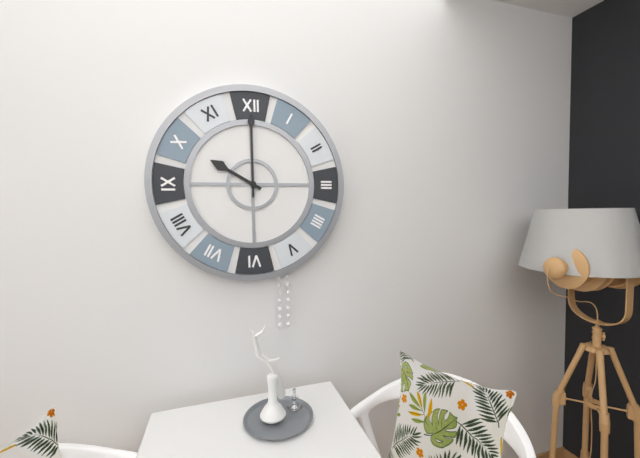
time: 10:00
